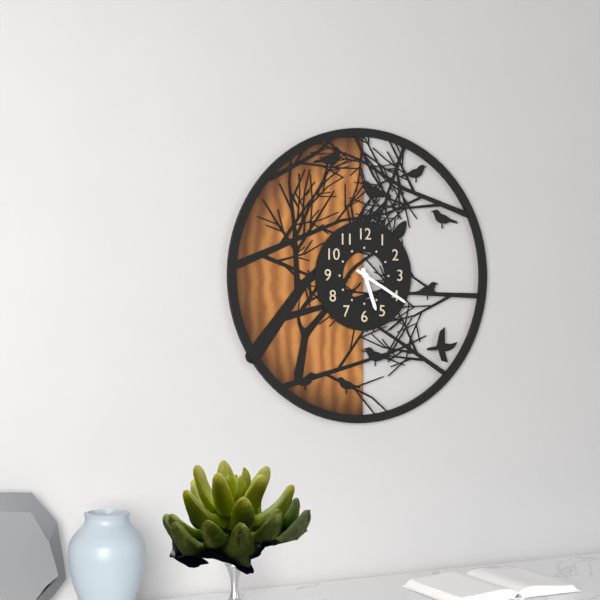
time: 5:20
